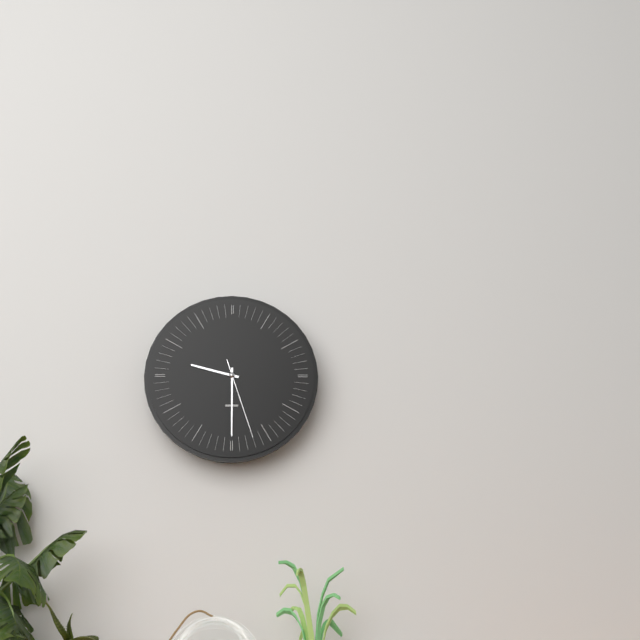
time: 9:30:27
